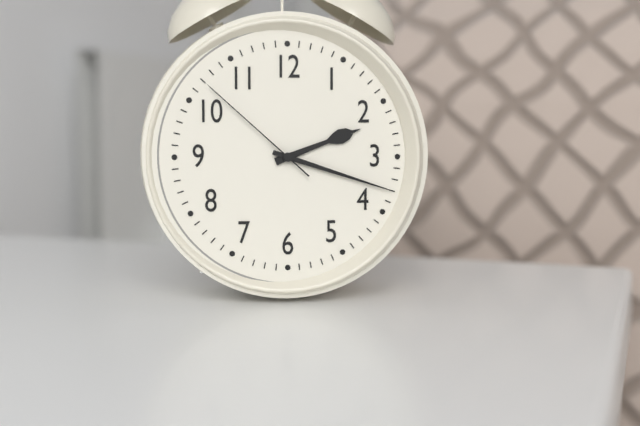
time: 2:18:52
